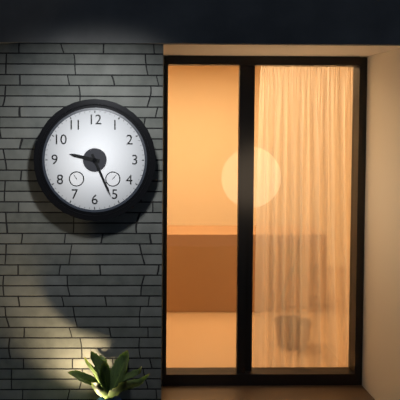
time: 9:26
